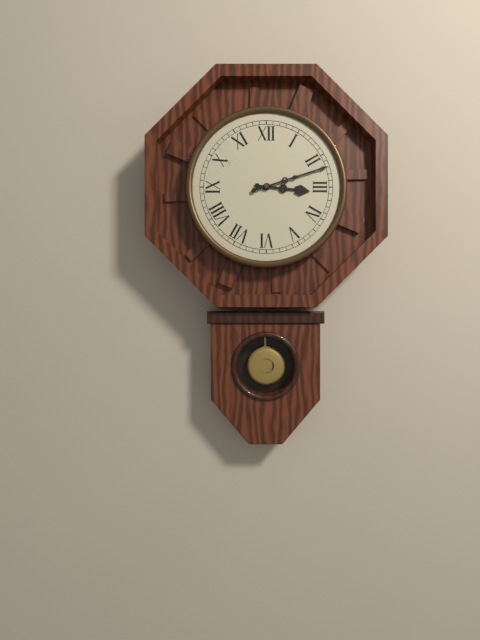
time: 3:12
